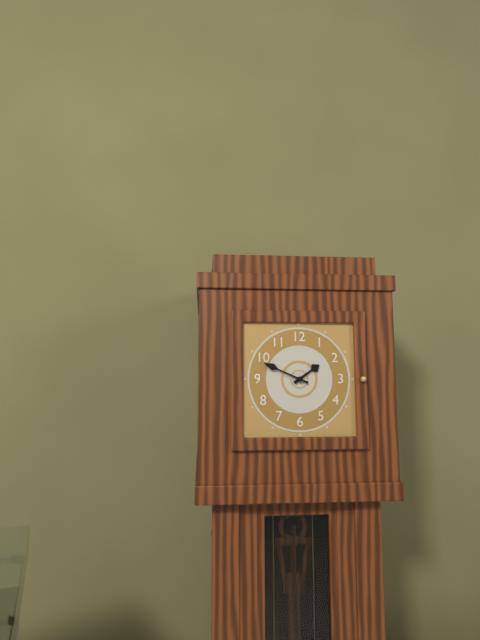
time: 1:49
